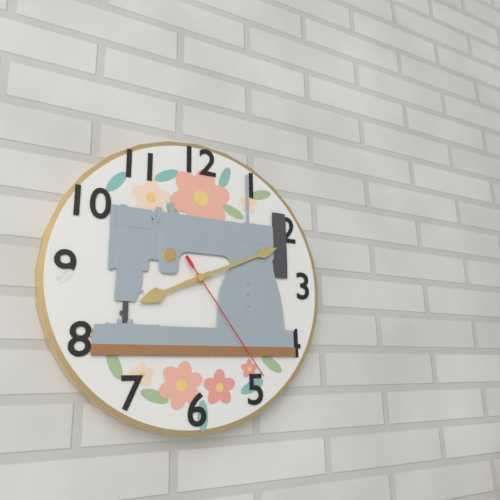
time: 8:11:24
